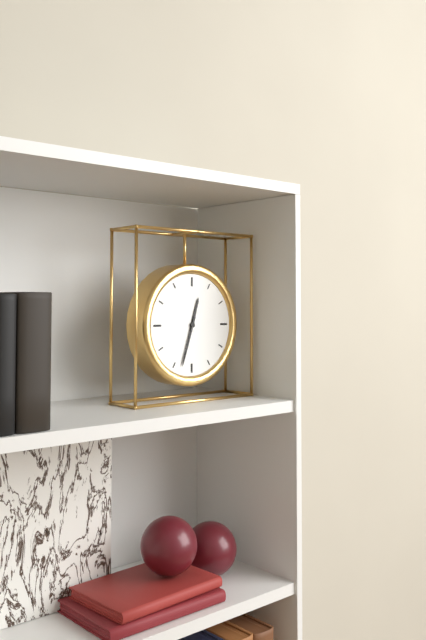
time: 12:33
